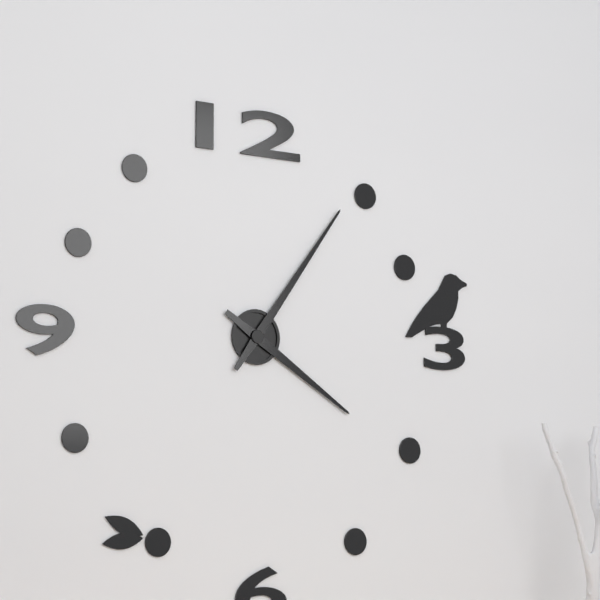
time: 4:06
